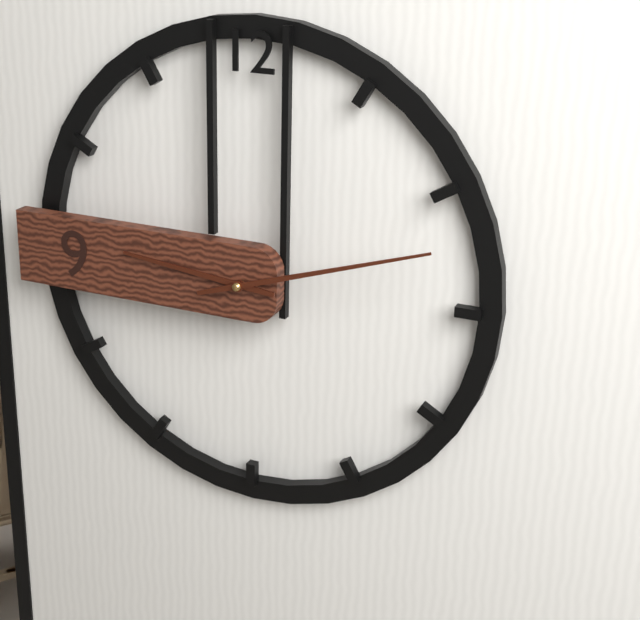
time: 9:12
